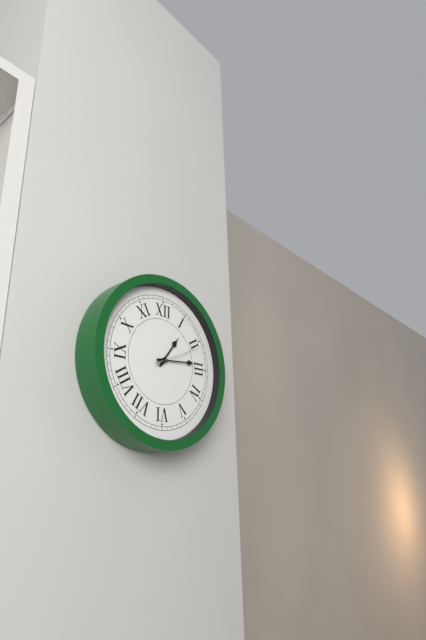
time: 1:14
